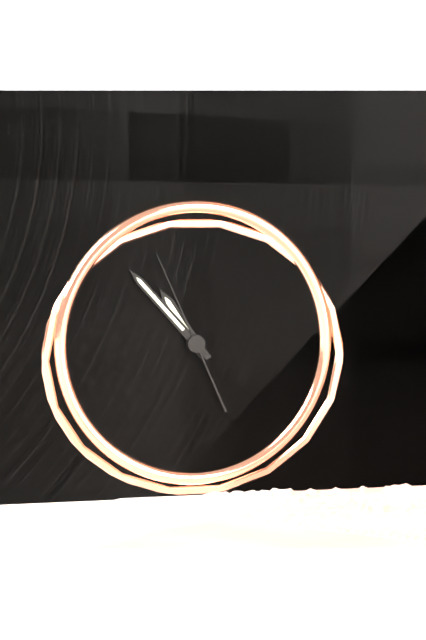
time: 10:53:56
